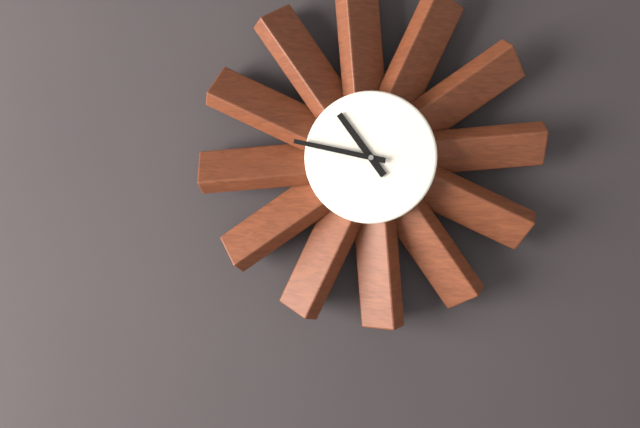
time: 10:47
